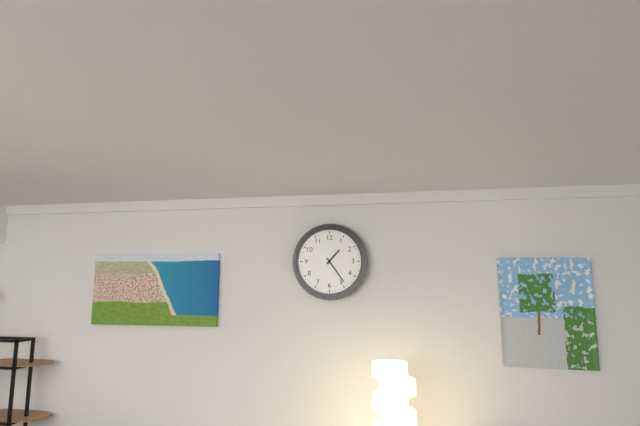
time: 1:24
